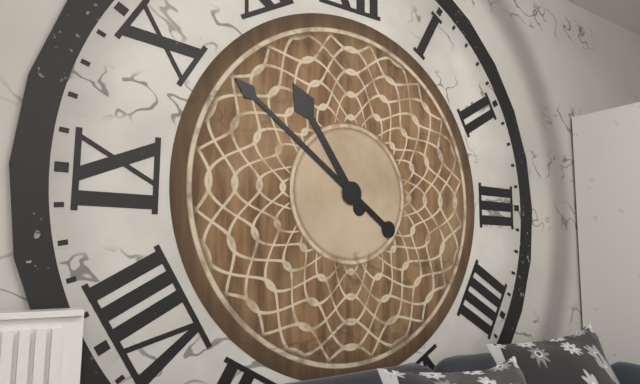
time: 10:51
